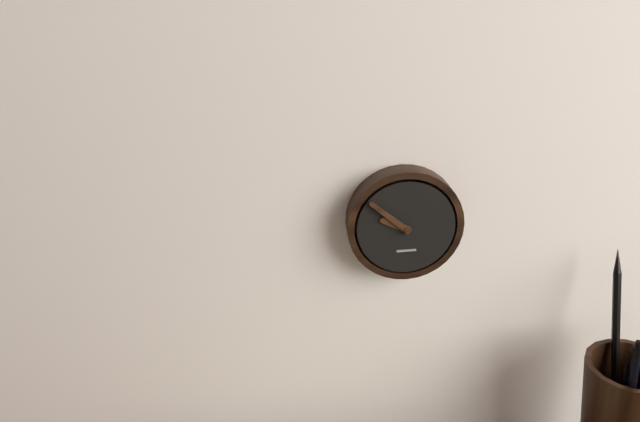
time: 9:52
